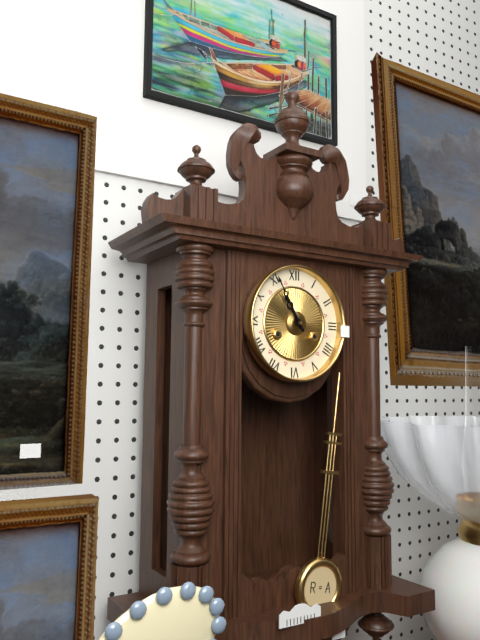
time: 10:55
